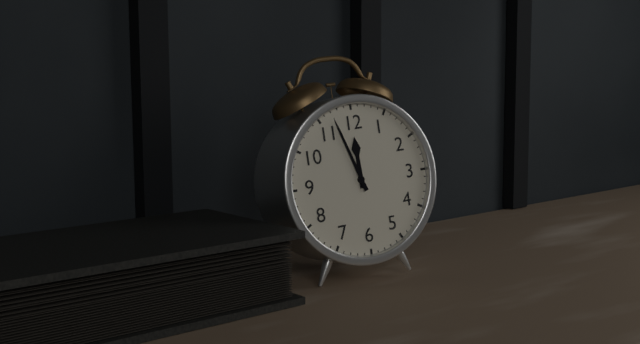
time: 11:57
